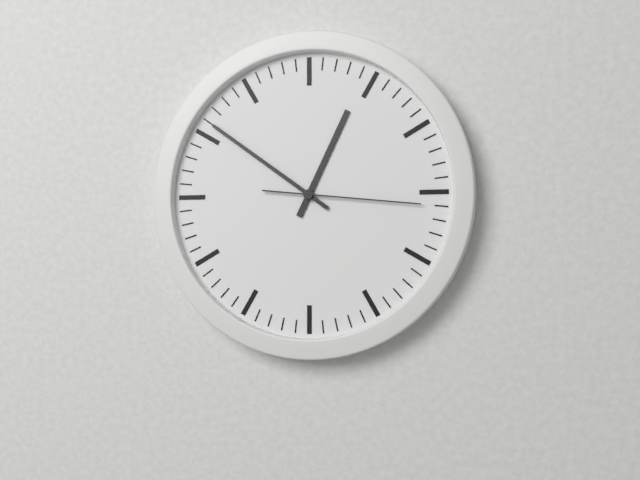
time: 12:51:16
